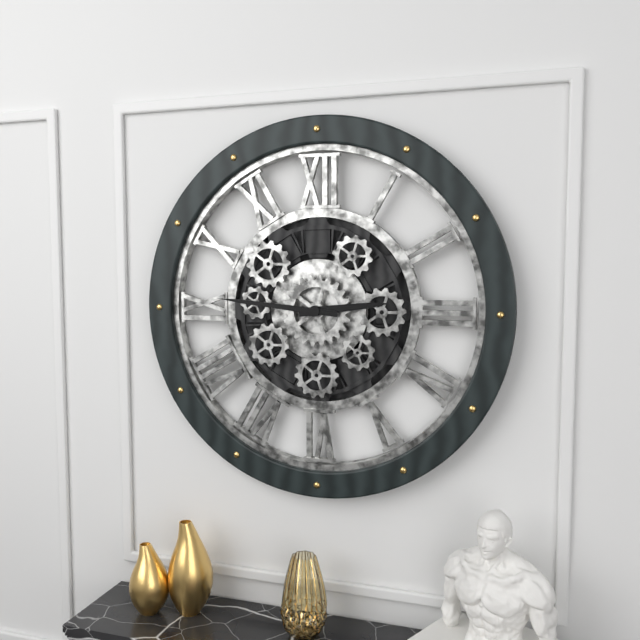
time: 2:46
